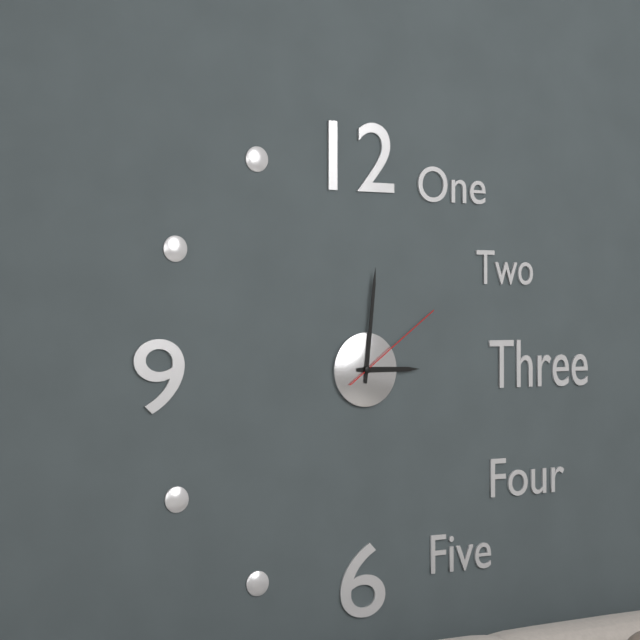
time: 3:01:09
